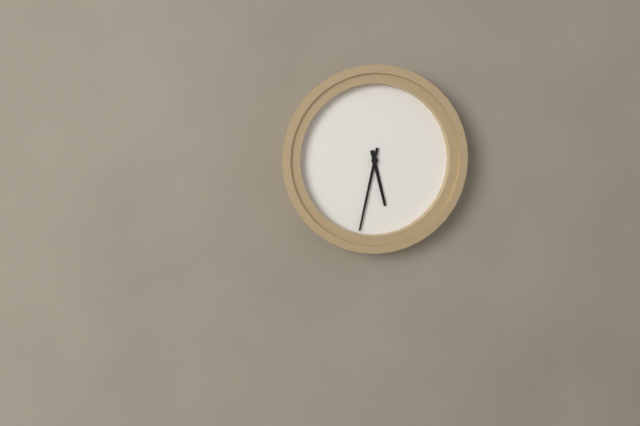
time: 5:32
